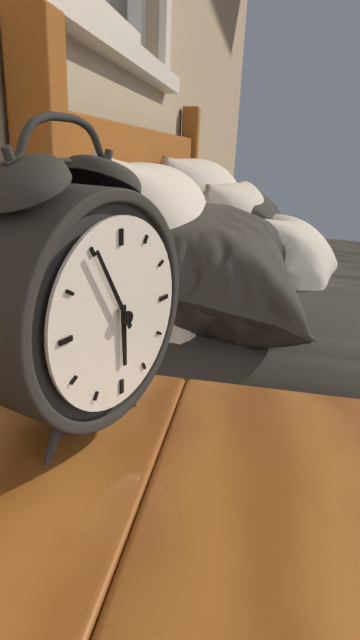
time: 5:55
